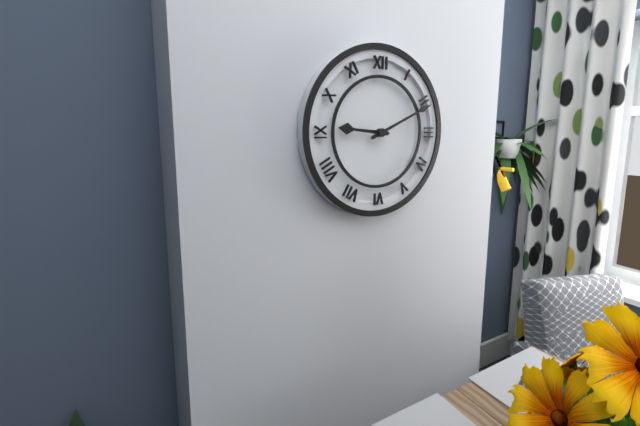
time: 9:11
